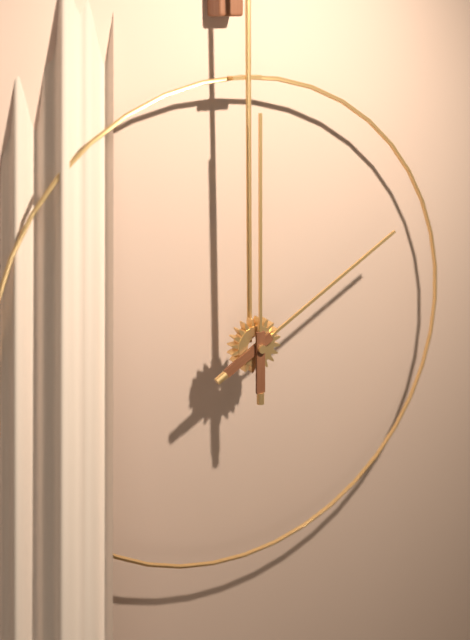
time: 2:00
